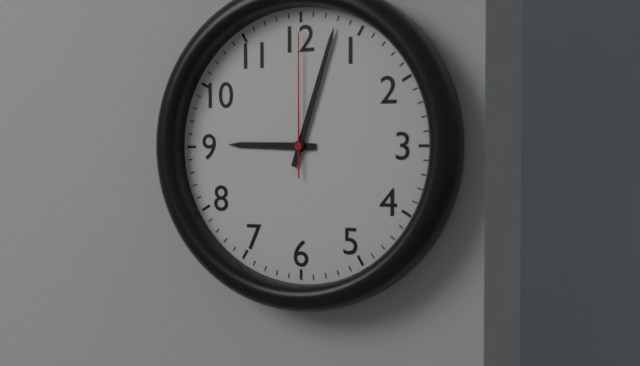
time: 9:03:00
